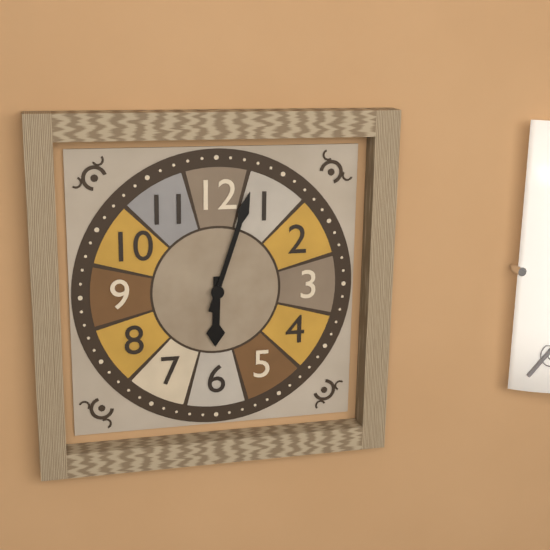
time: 6:03
